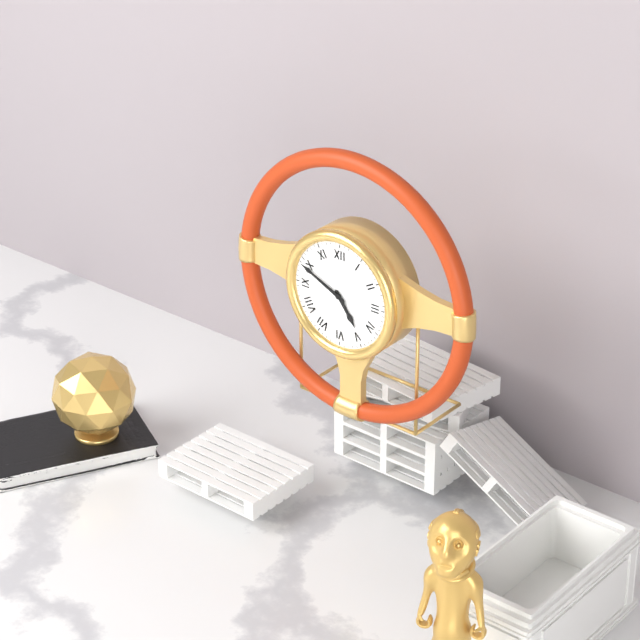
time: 4:49
